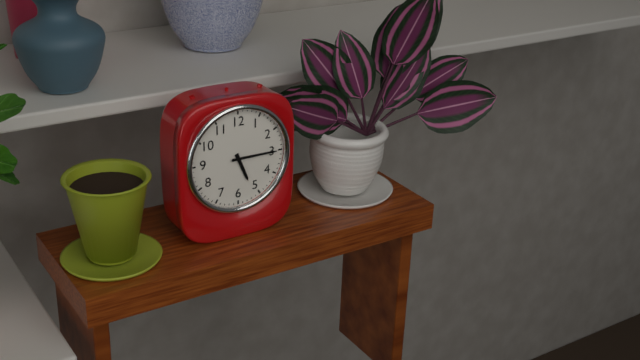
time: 5:15
